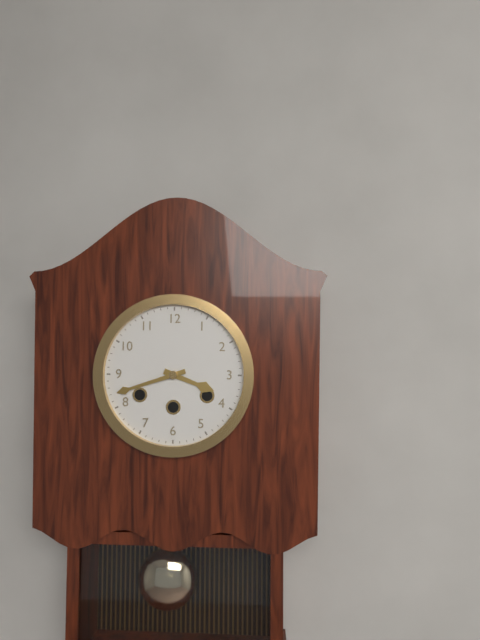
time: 3:42
